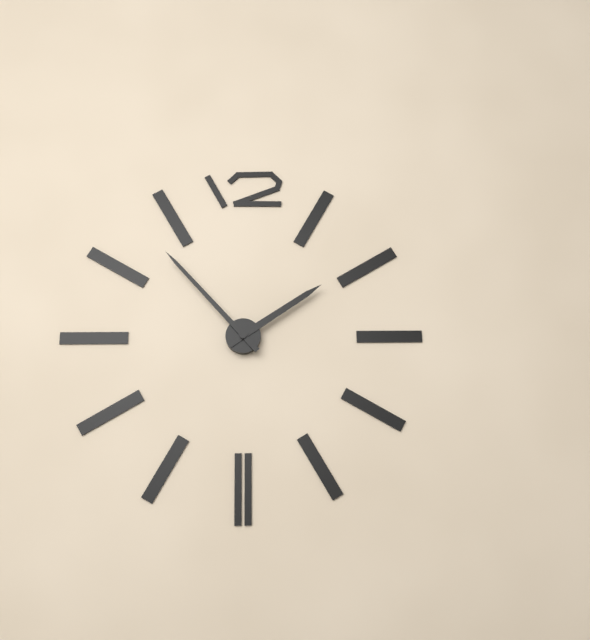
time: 1:53
